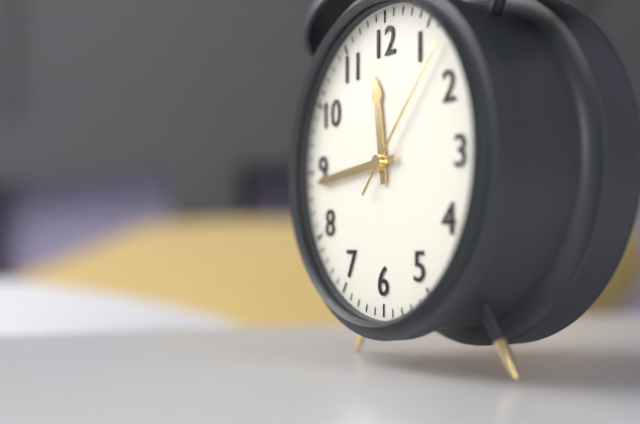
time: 11:44:07
